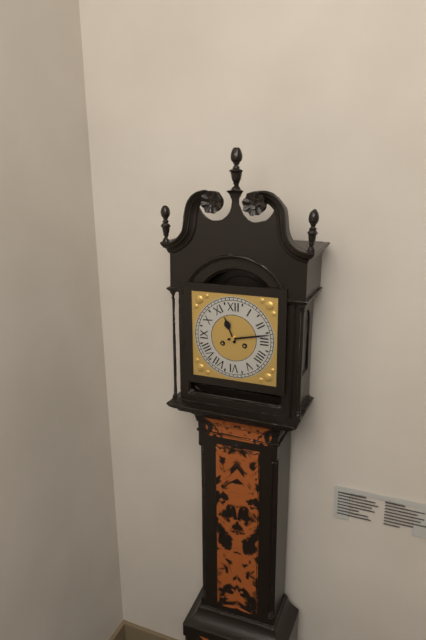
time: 11:13
